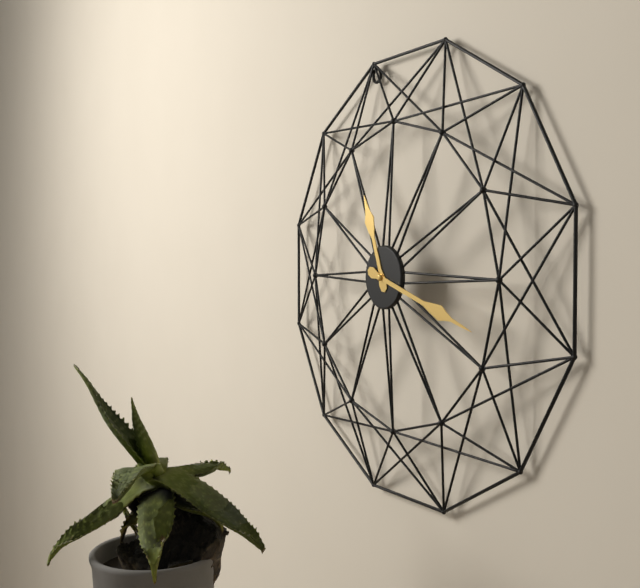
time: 11:18
